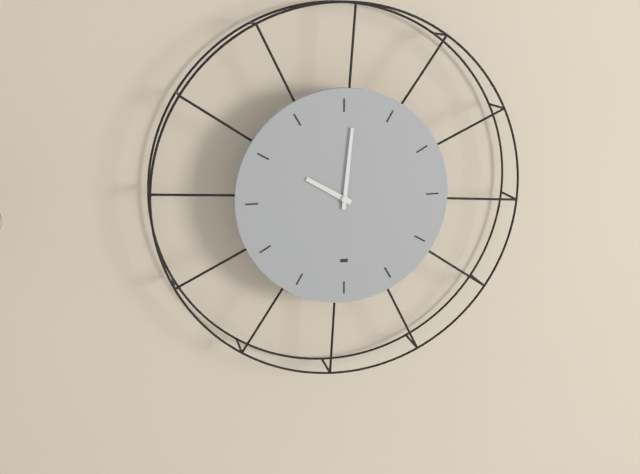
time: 10:01
